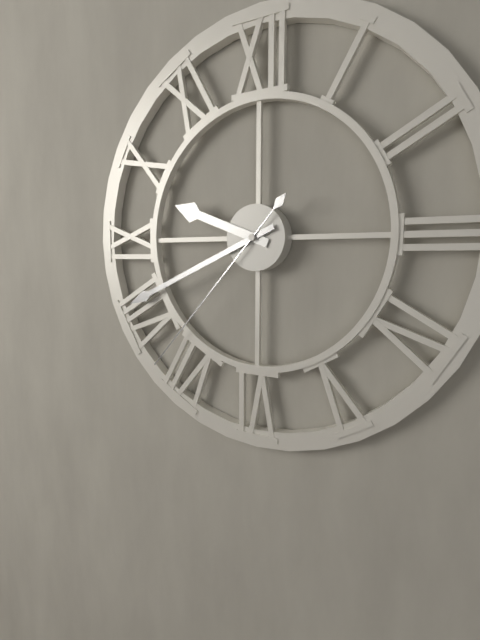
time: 9:41:37
